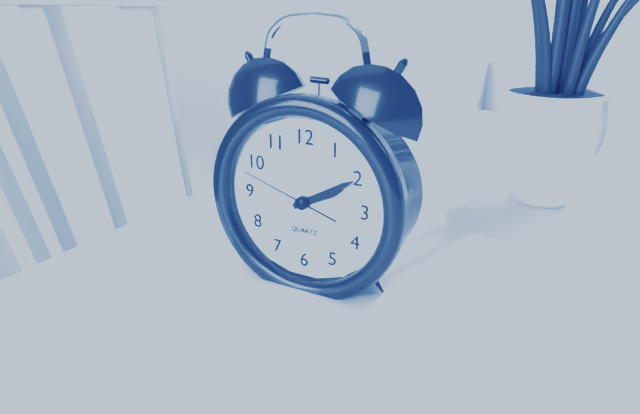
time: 2:10:48
